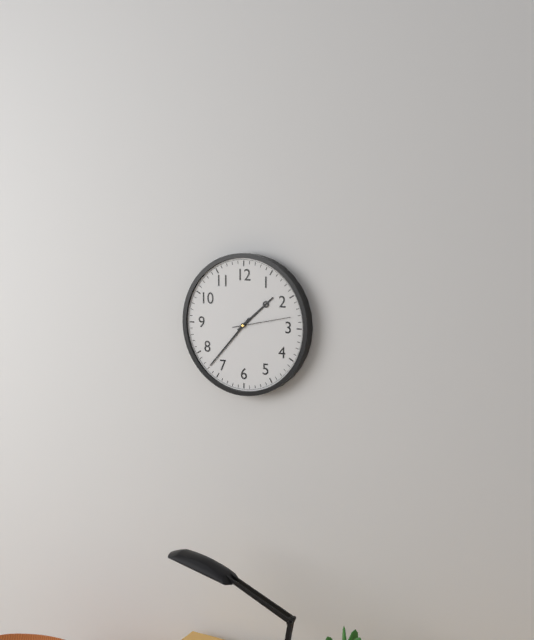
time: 1:37:13
